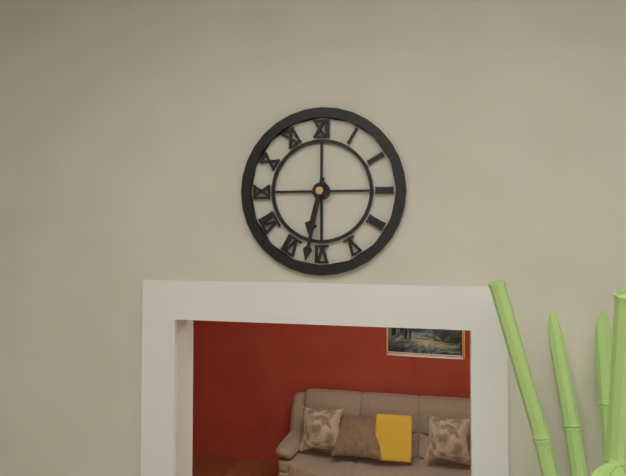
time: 6:32
